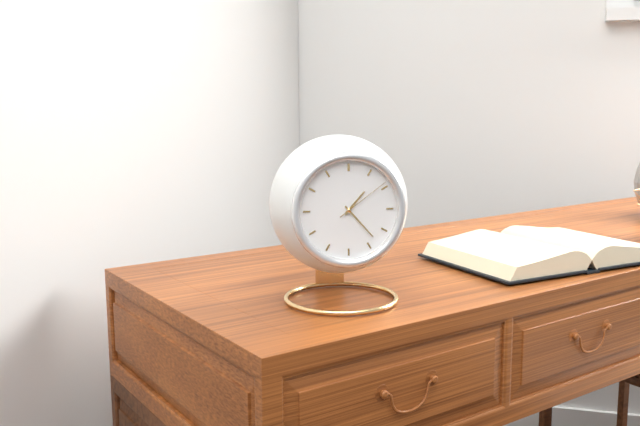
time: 1:23:09
